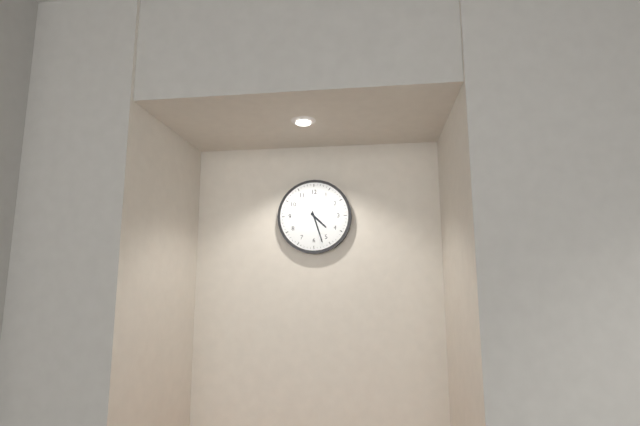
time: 4:27
